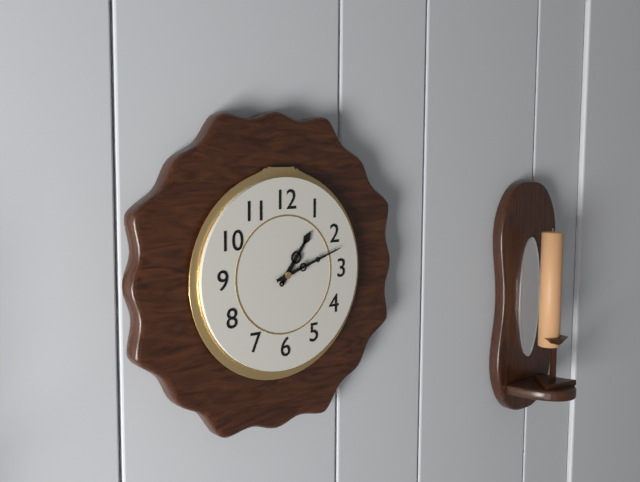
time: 1:12
